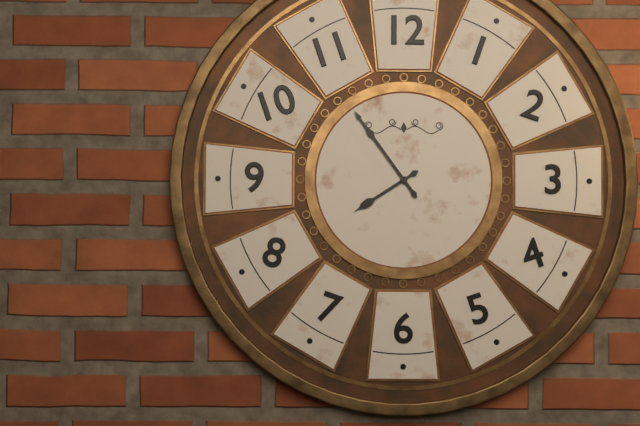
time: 7:54
